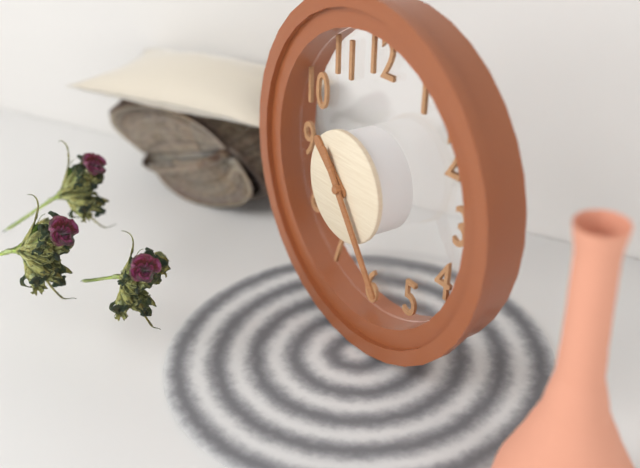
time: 10:24
